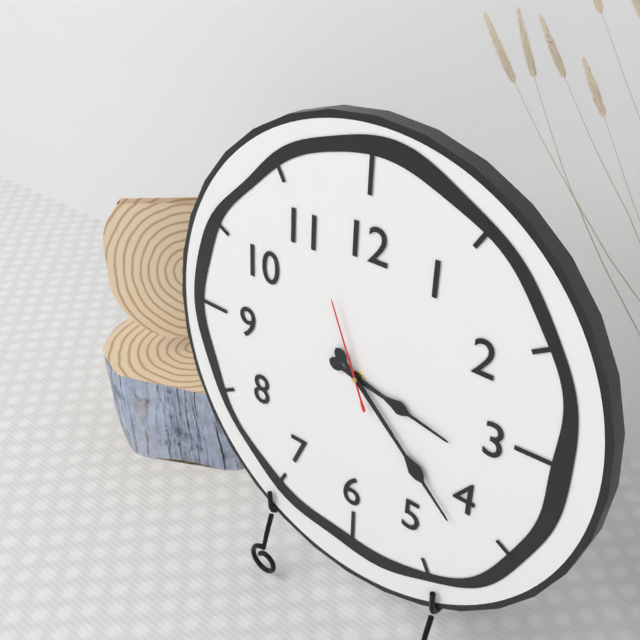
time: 3:22:56
